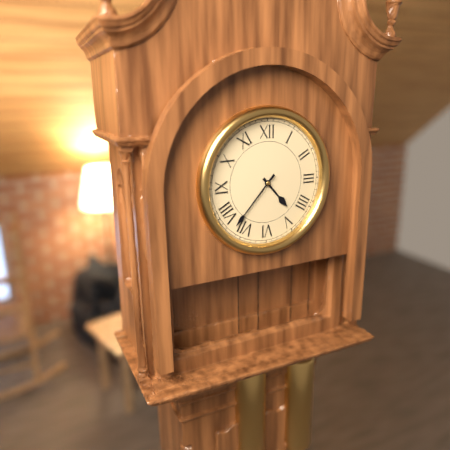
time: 4:37
